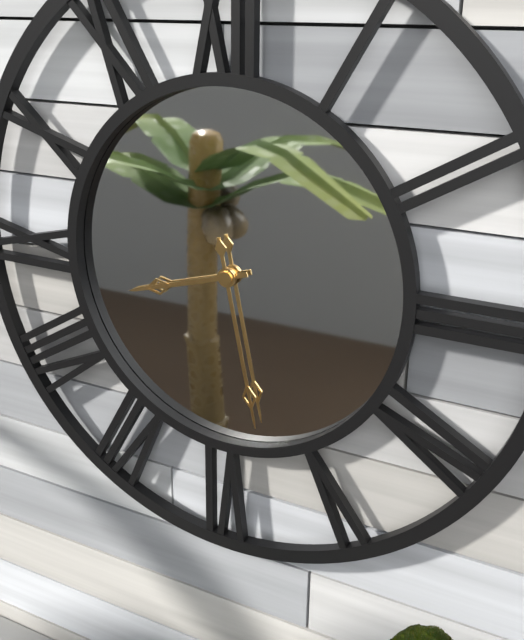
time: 8:28
